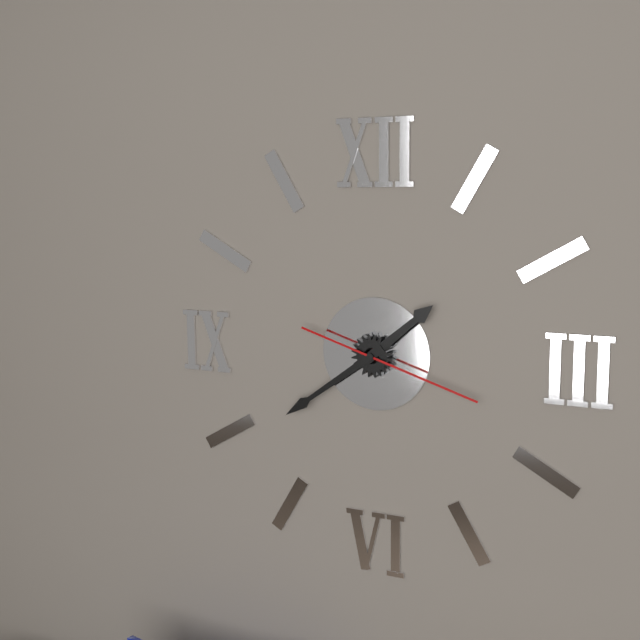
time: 1:39:18
